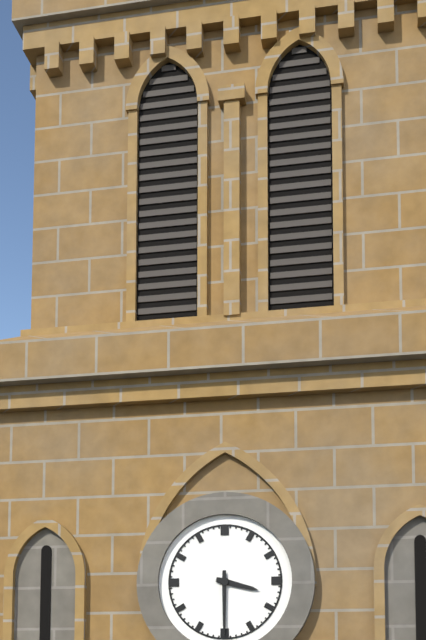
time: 3:30
